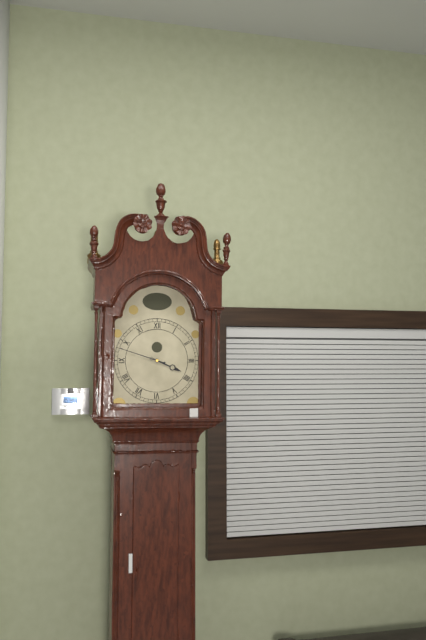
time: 3:48
